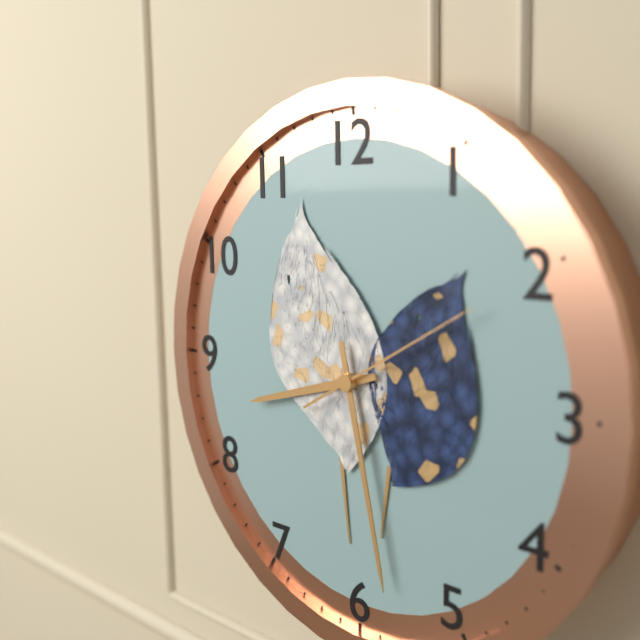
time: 8:28:10
